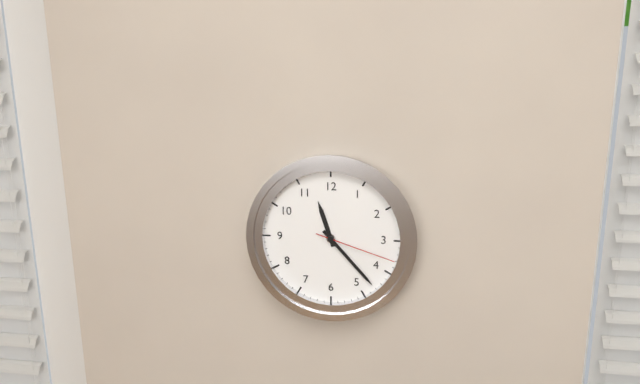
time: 11:23:18
